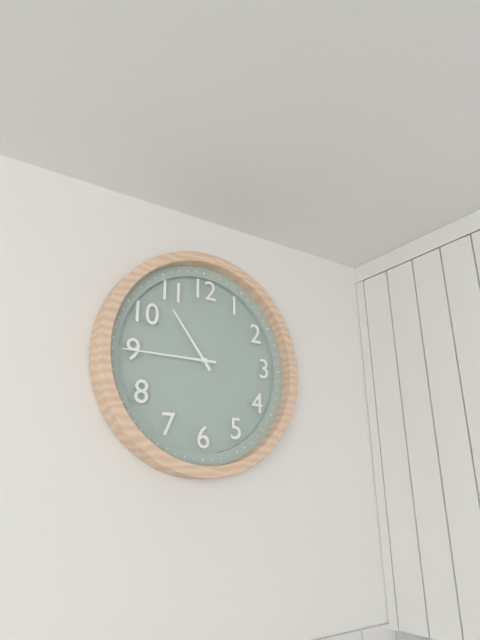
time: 10:45
